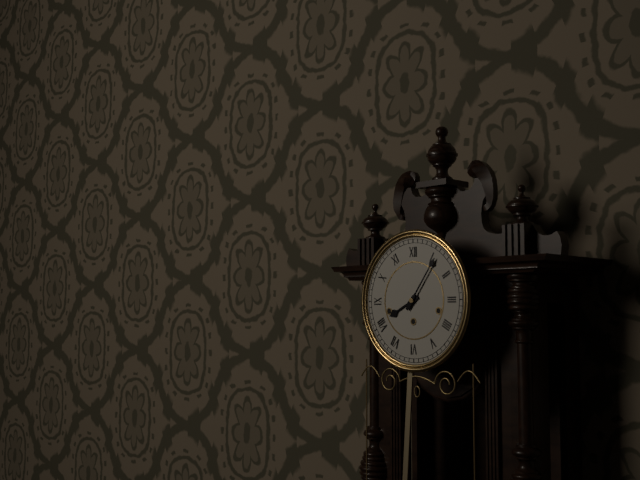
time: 8:06
